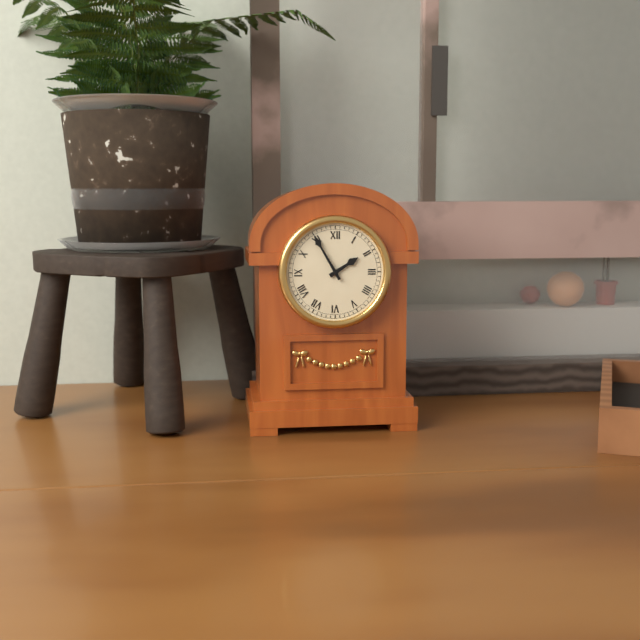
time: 1:55
